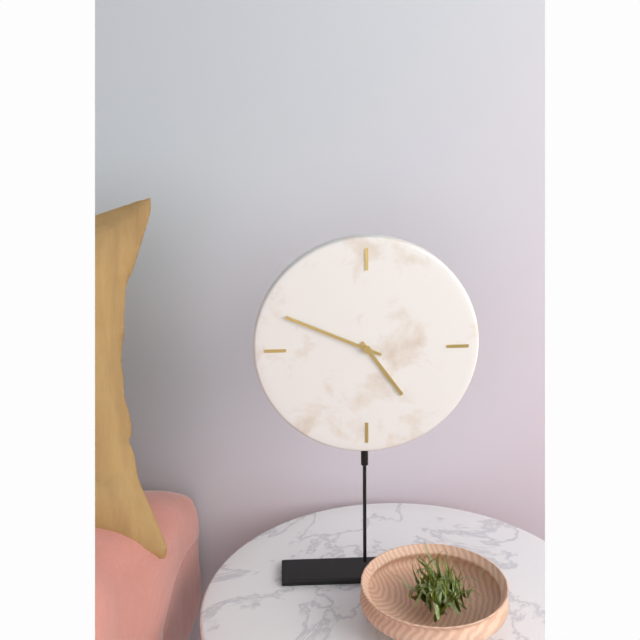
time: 4:49
